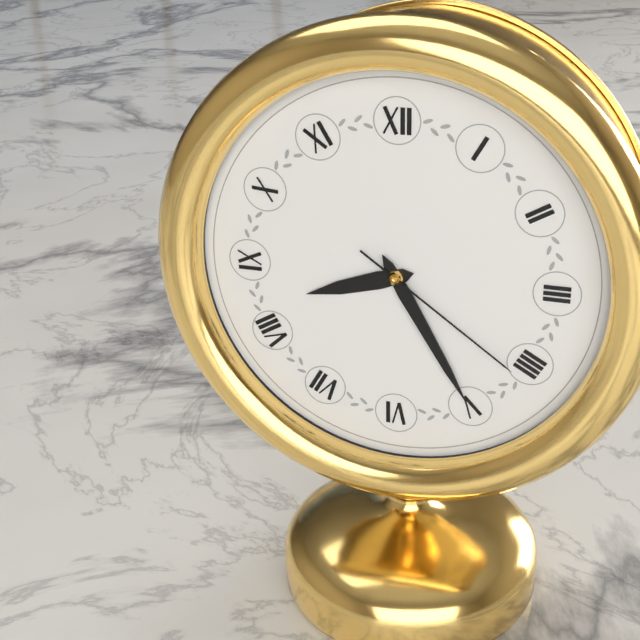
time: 8:25:21
